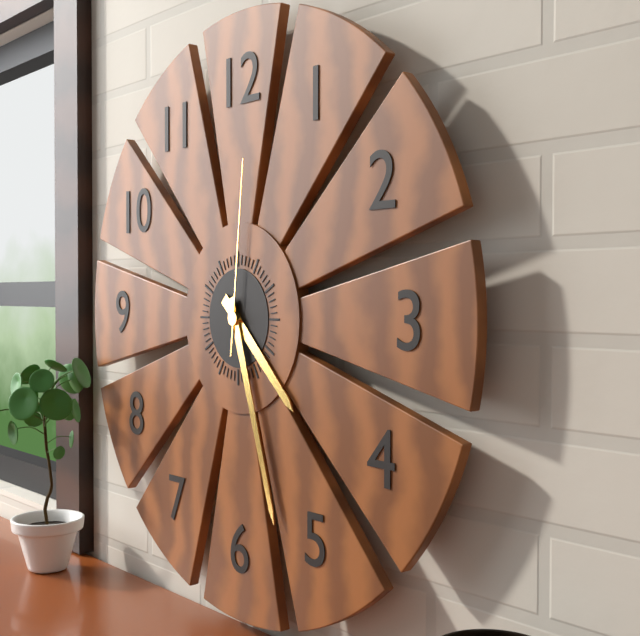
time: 4:27:01
